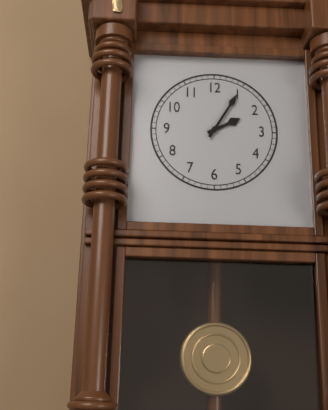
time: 2:05
